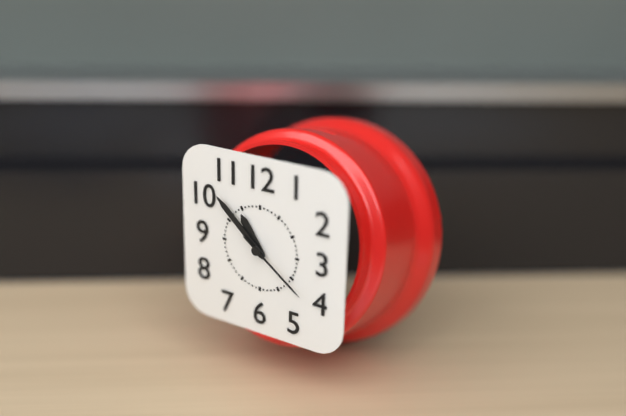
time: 10:52:21
